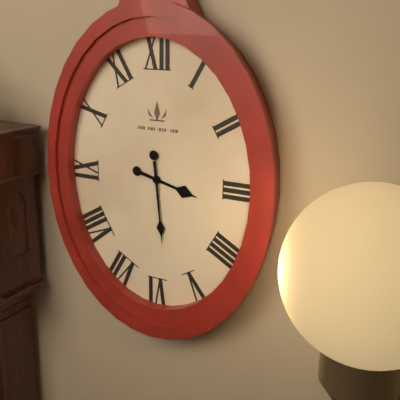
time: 3:29
